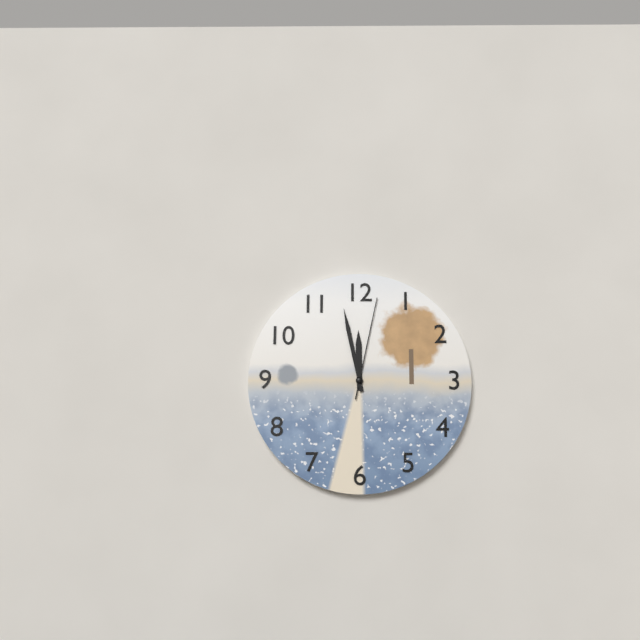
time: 11:58:02
